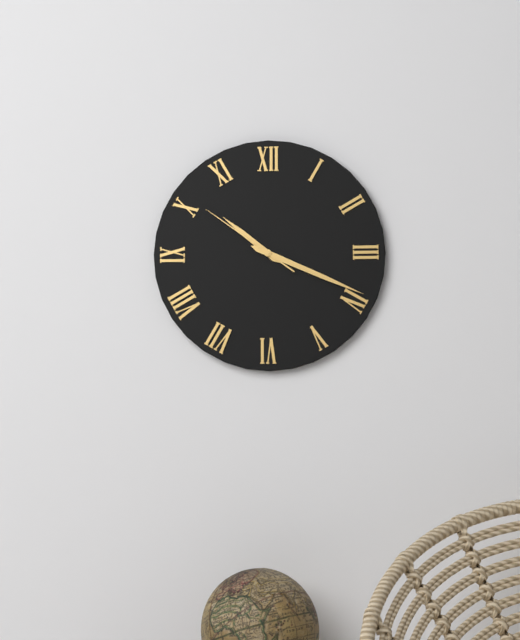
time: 10:19:51
